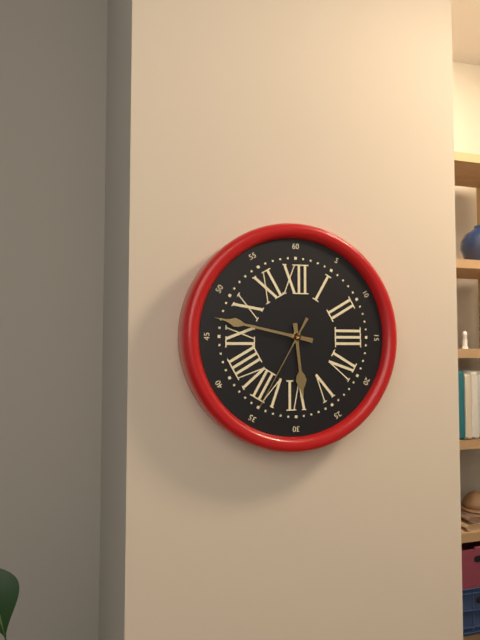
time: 5:47:35
